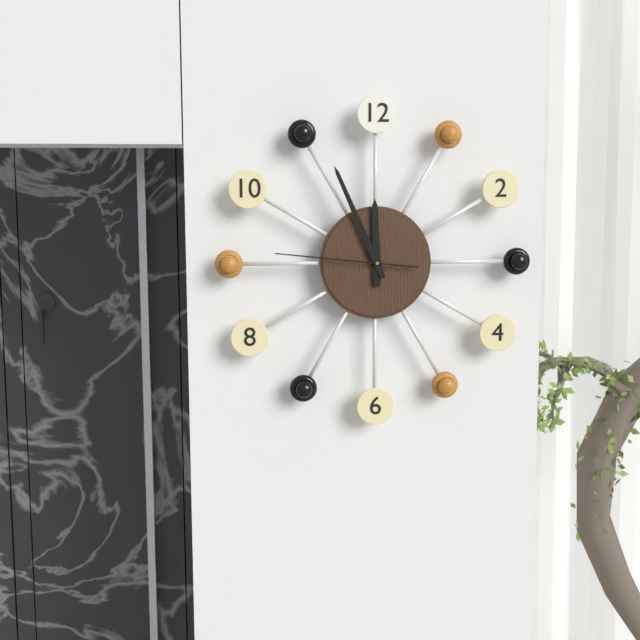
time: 11:56:46
